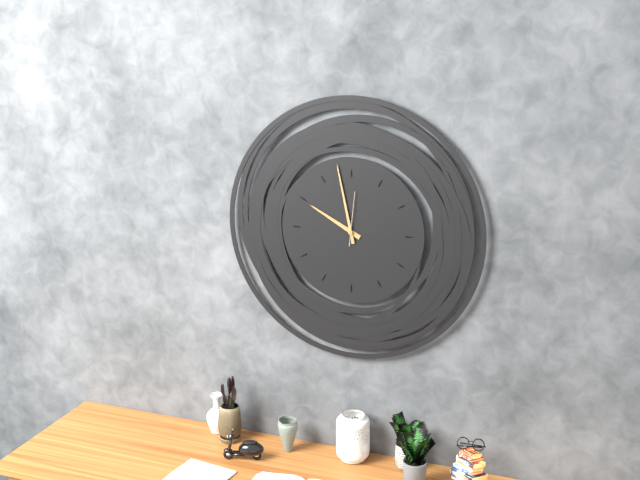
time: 9:58
